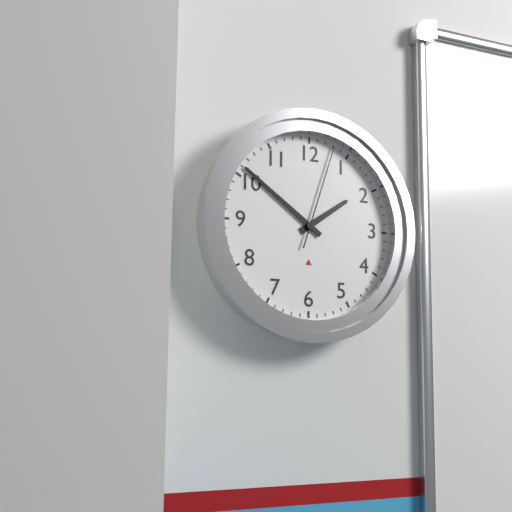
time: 1:51:03
